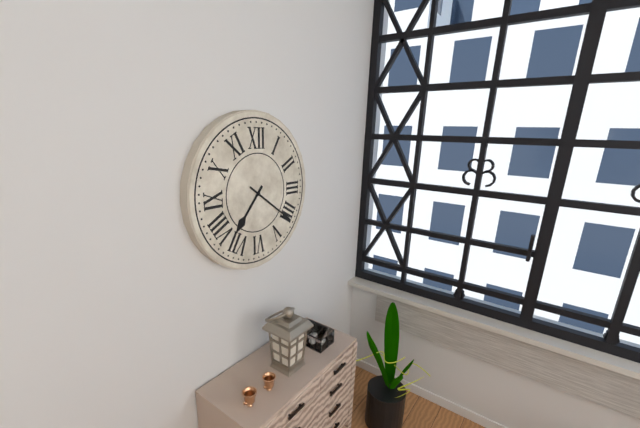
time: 7:21
